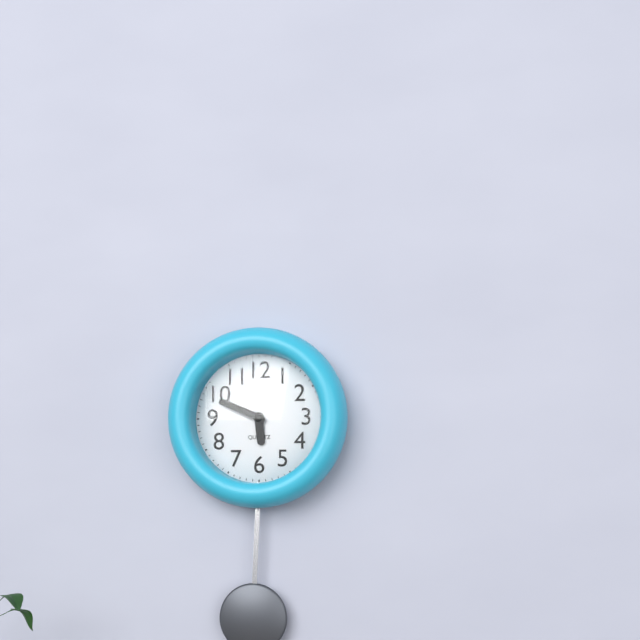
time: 5:49
